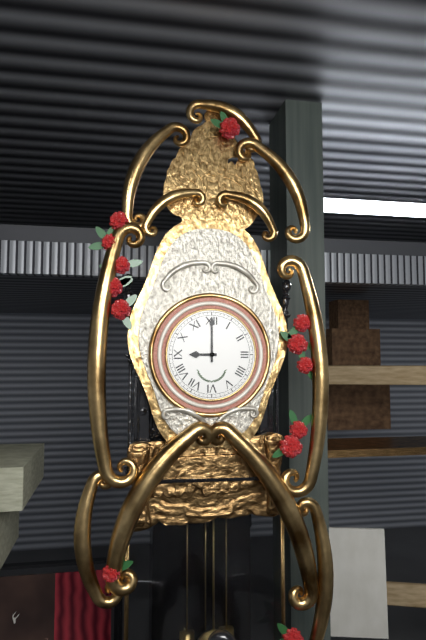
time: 9:00
